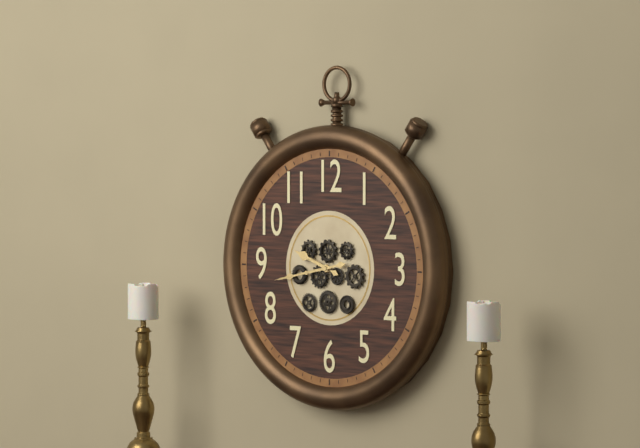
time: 9:43
